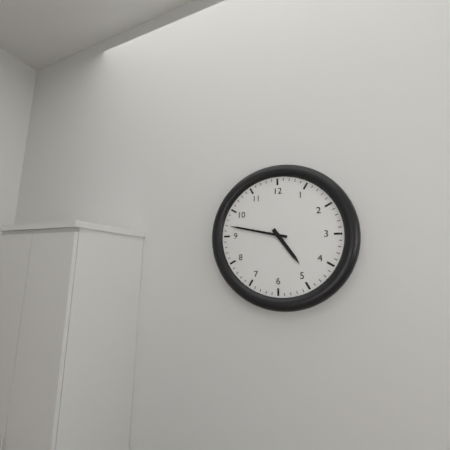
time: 4:47
